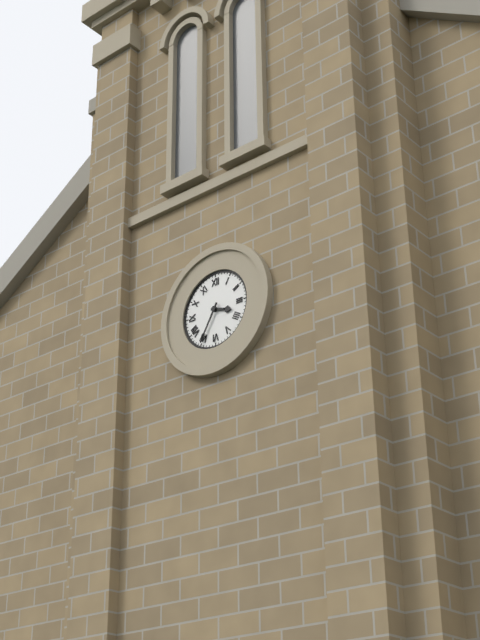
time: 3:35
